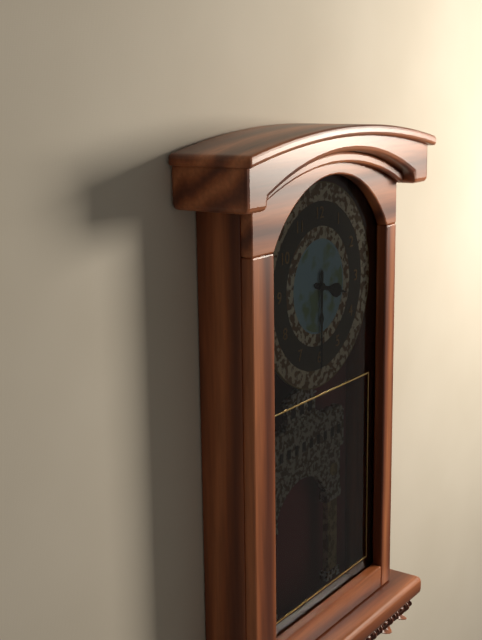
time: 3:30
